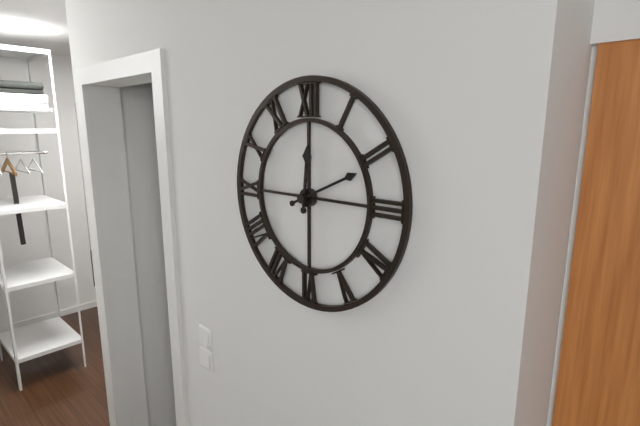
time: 12:11
